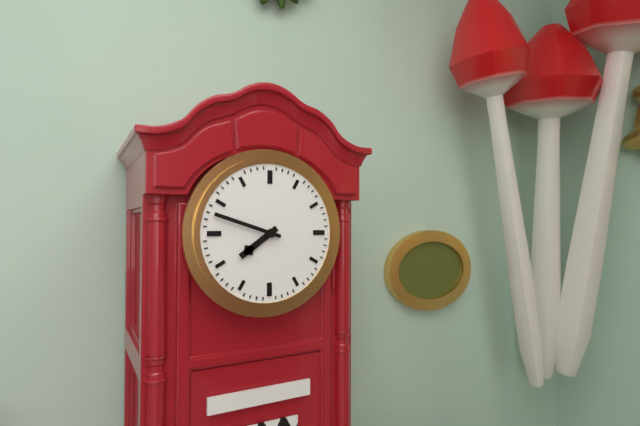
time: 7:48
